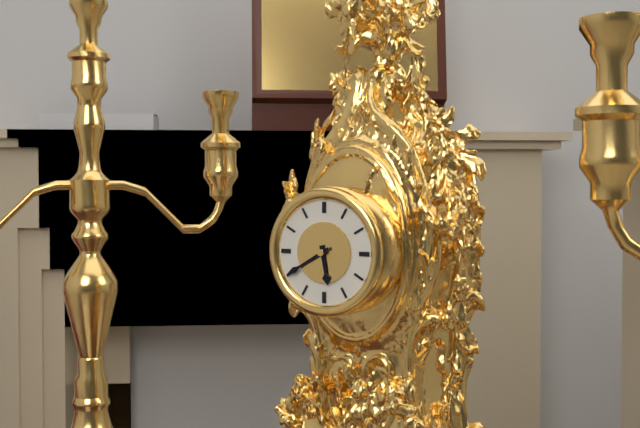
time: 5:40
